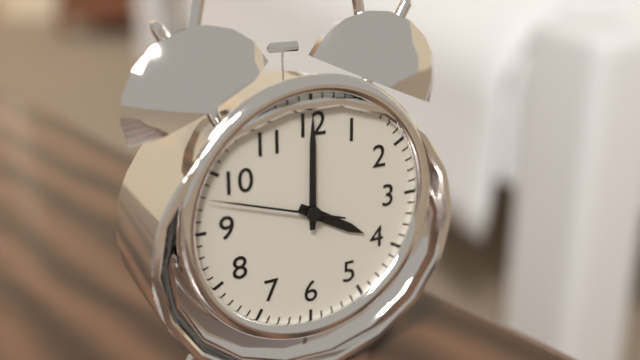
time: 4:00:48
